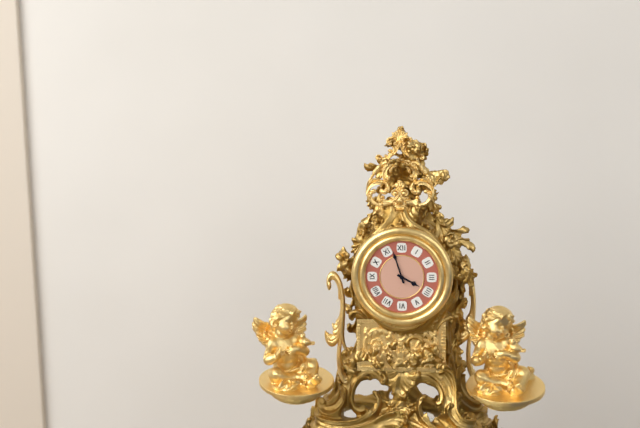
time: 3:57
